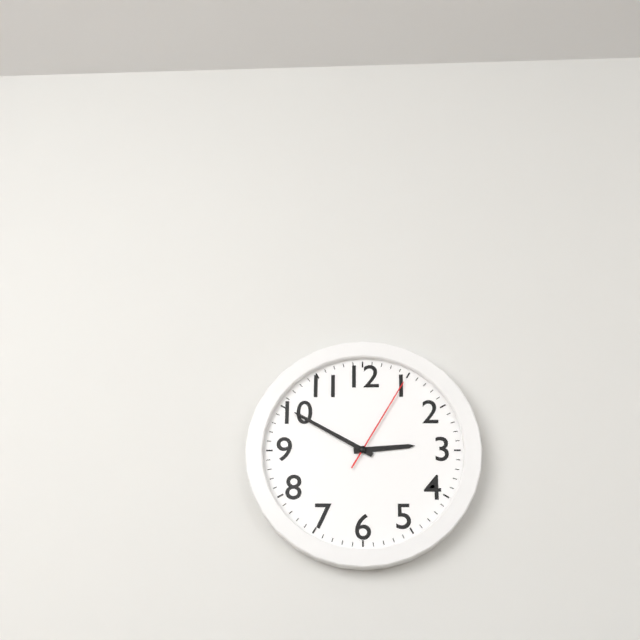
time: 2:50:05
